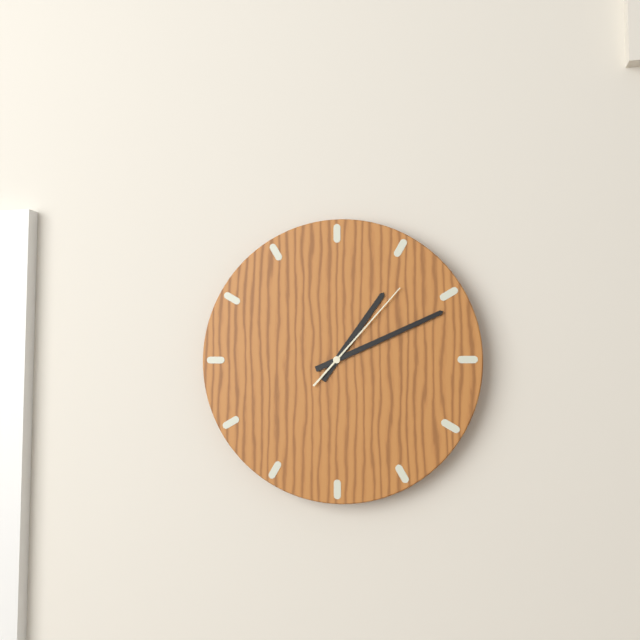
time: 1:11:07
